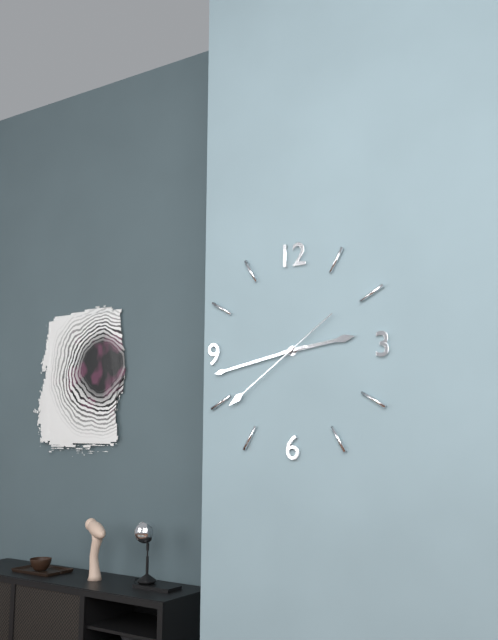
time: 2:43:39
